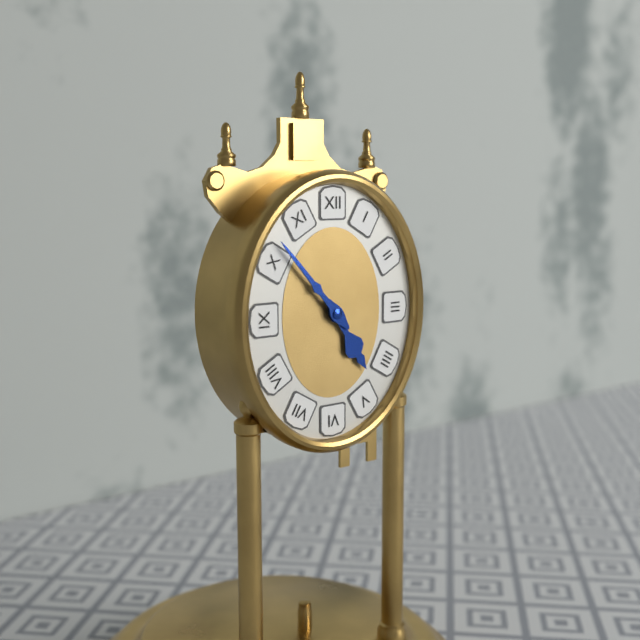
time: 4:53
